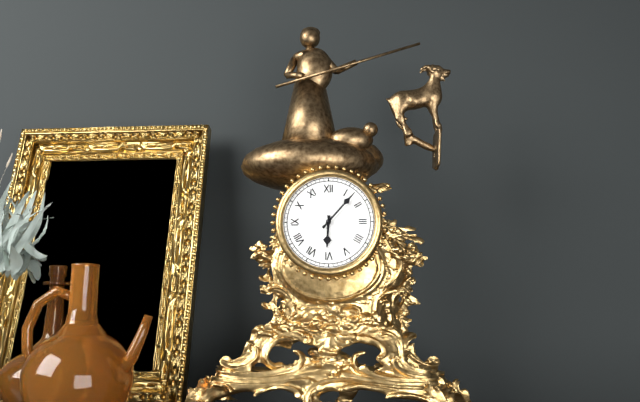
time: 6:07
